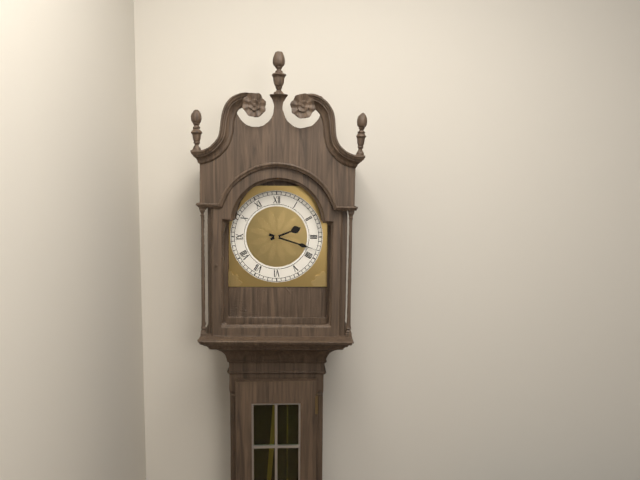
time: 2:18
